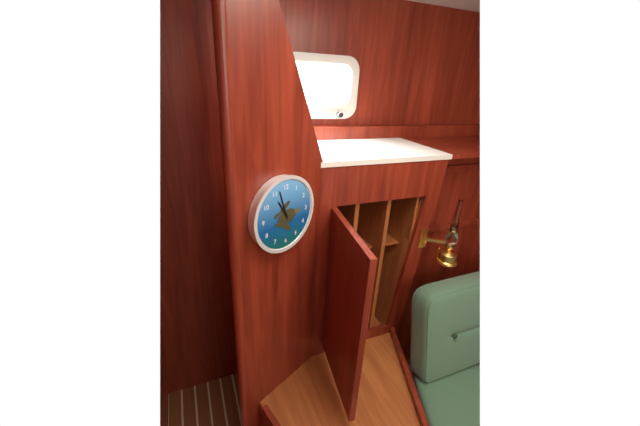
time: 10:57
